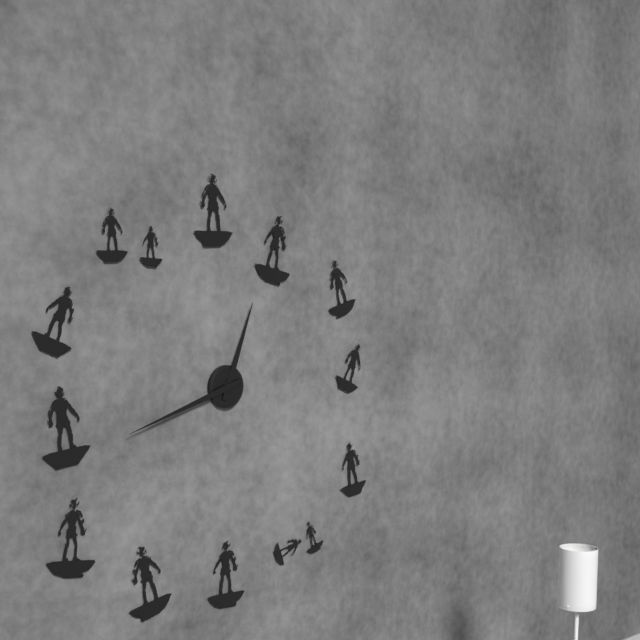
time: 12:42
